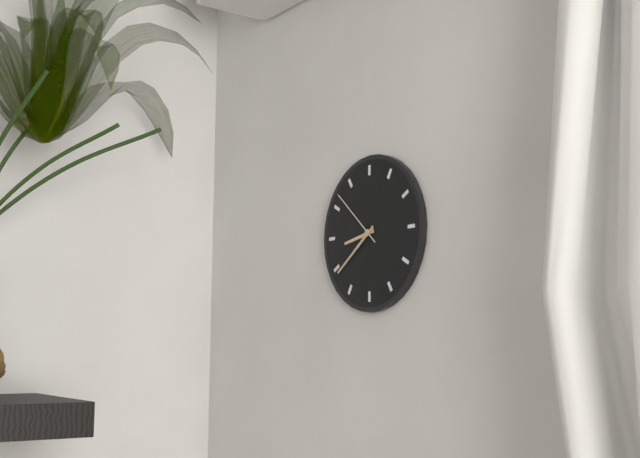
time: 8:39:52
